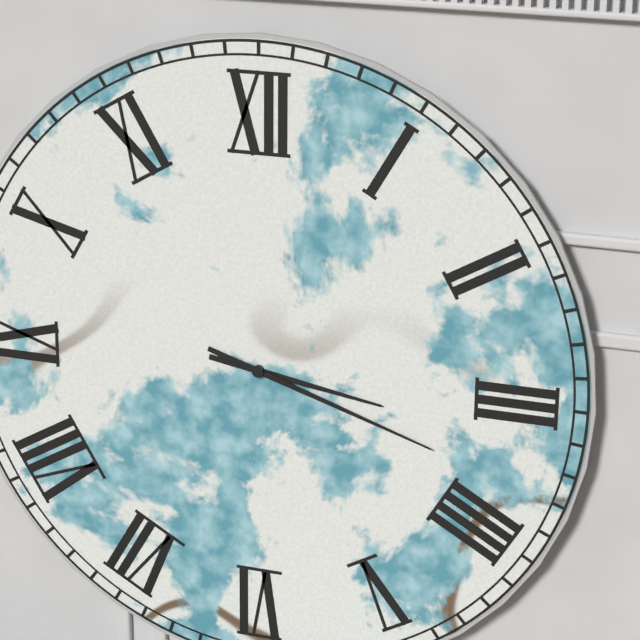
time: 3:18
